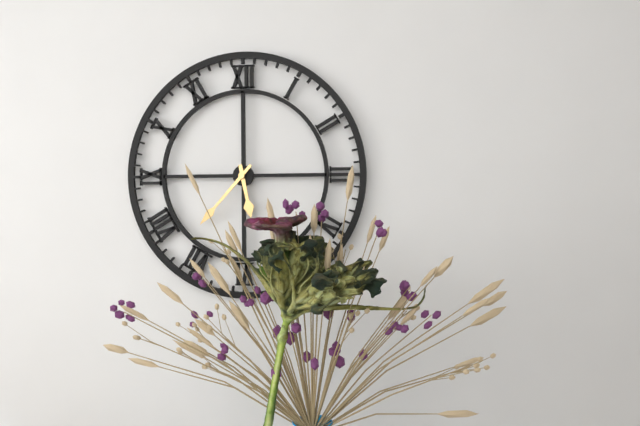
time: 5:37
